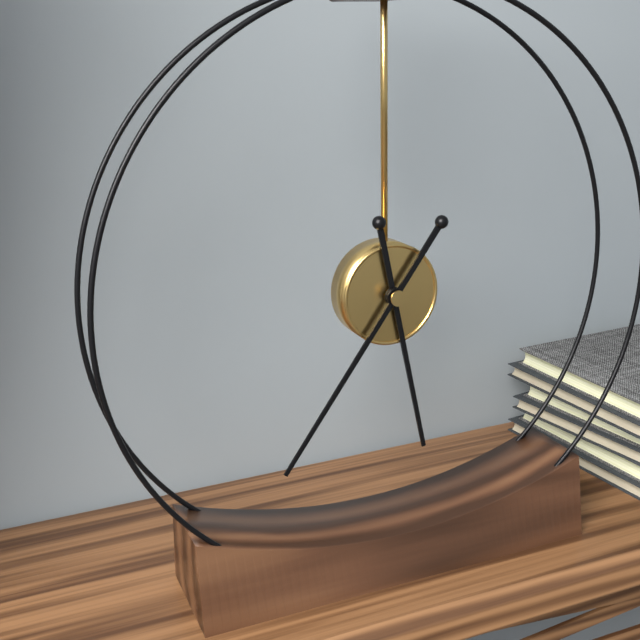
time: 5:36
